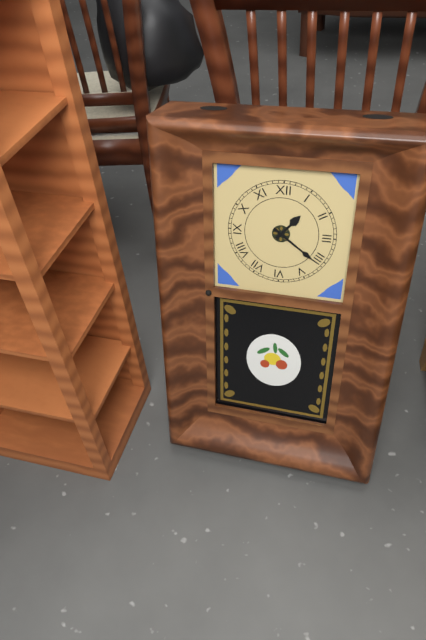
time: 1:21
